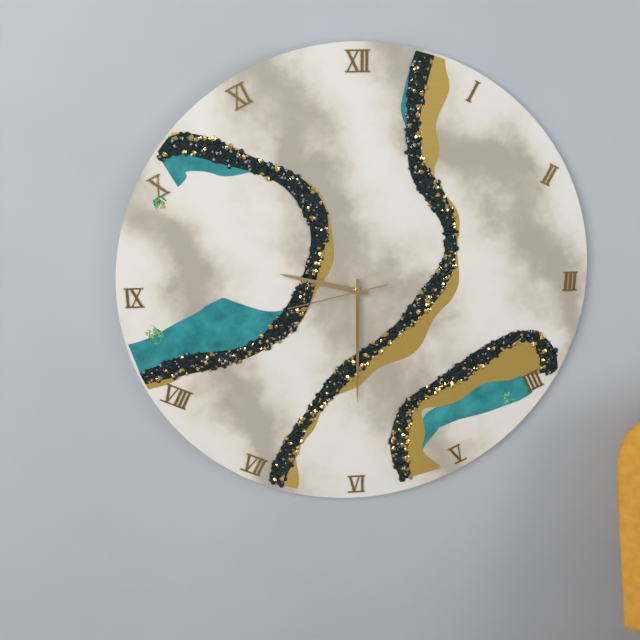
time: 9:30:43
